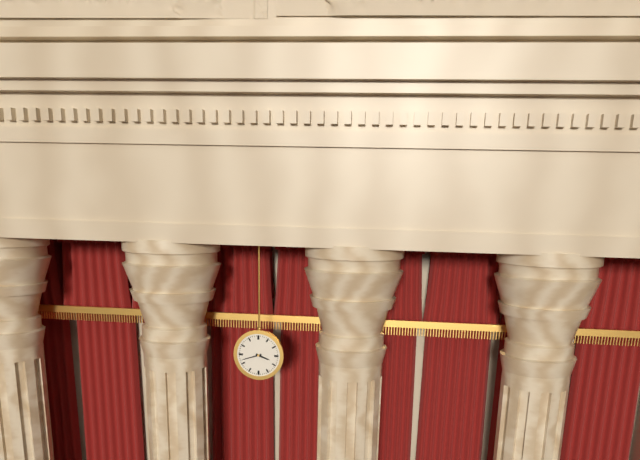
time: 3:42
